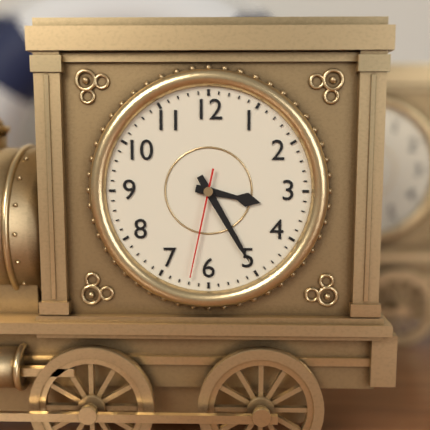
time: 3:25:32
